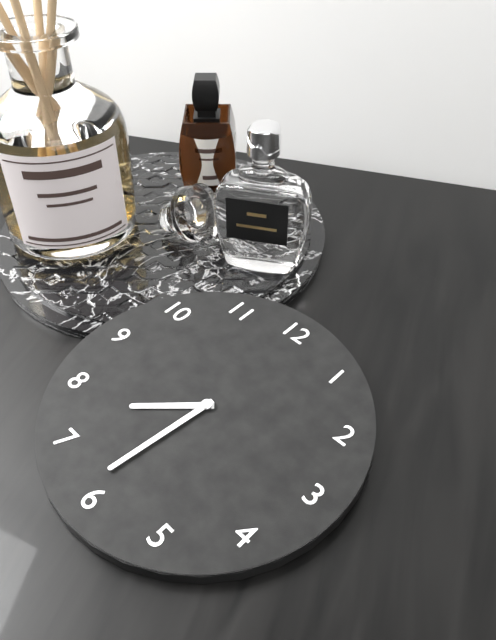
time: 7:31
